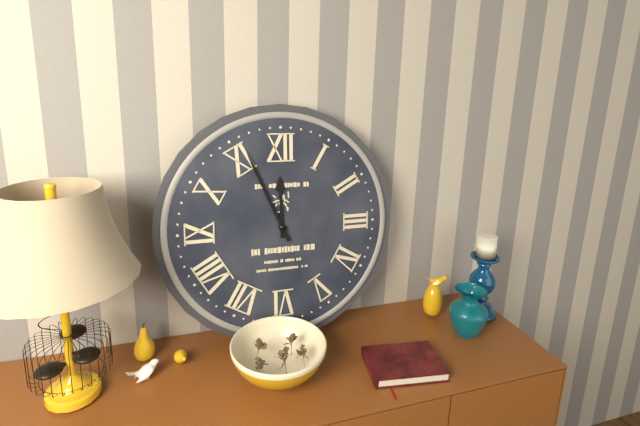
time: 11:56
